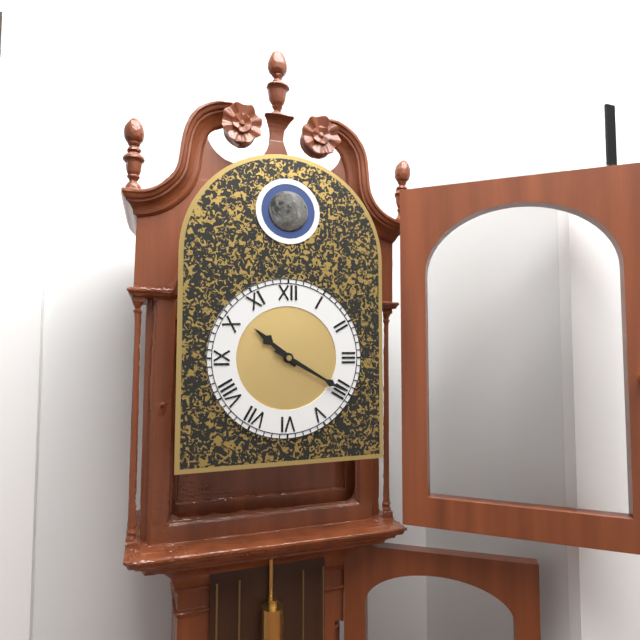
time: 10:20
